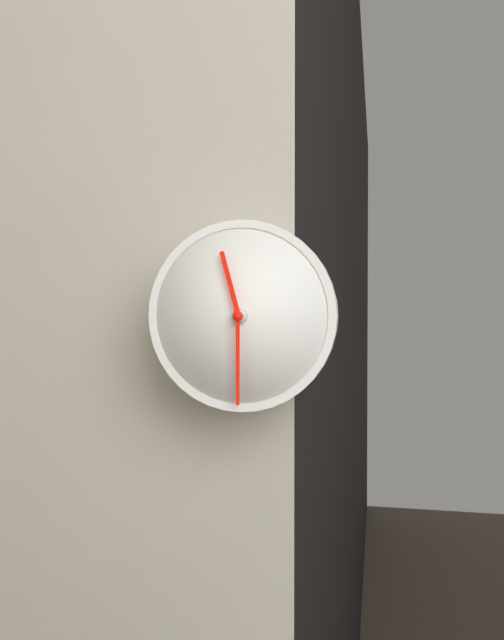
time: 11:30
